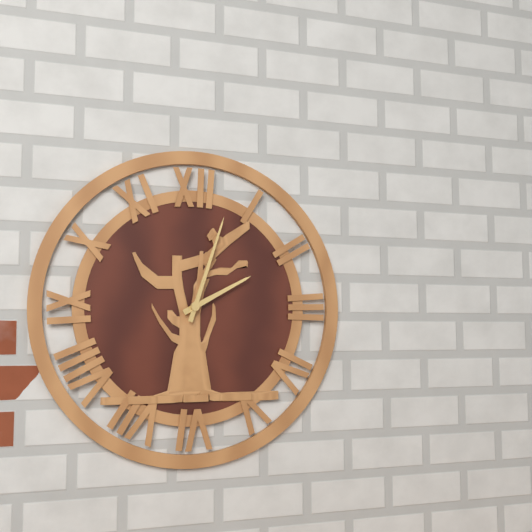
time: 2:03
